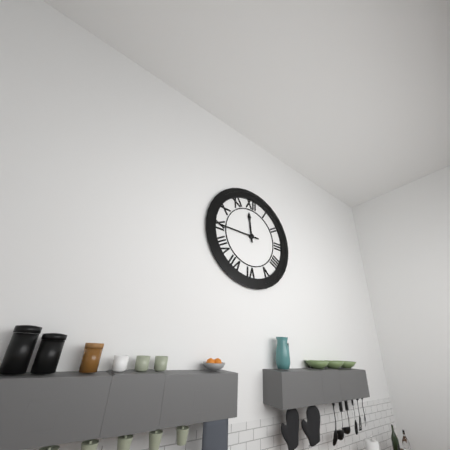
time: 11:45
